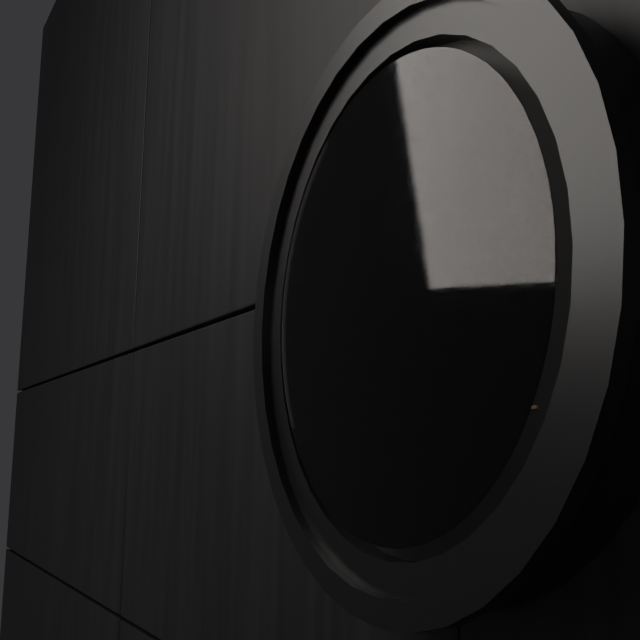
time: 2:48
